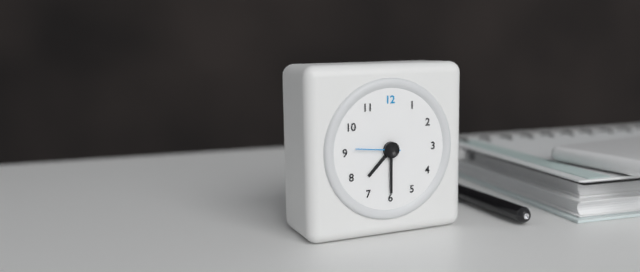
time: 7:30
